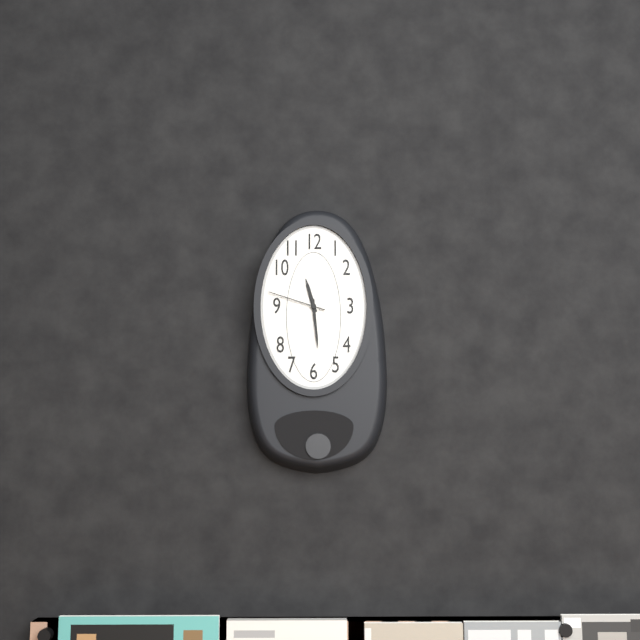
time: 11:29:48
